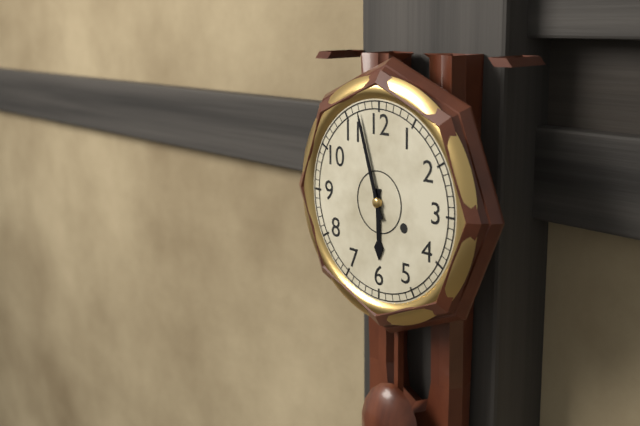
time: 5:57
